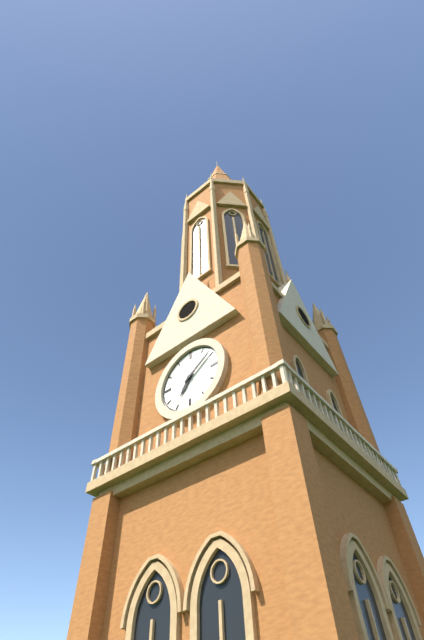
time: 7:09
